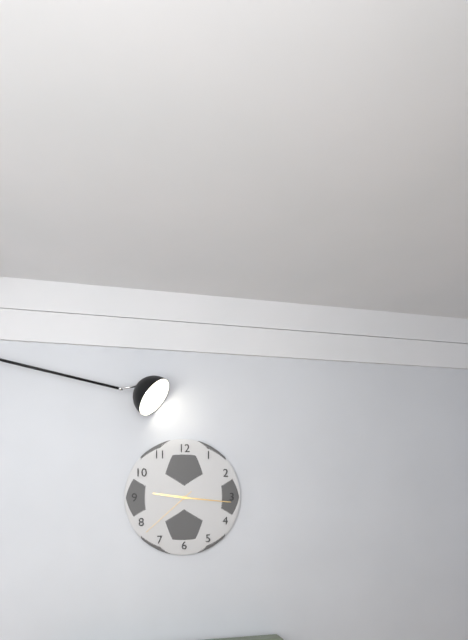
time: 9:16:38
